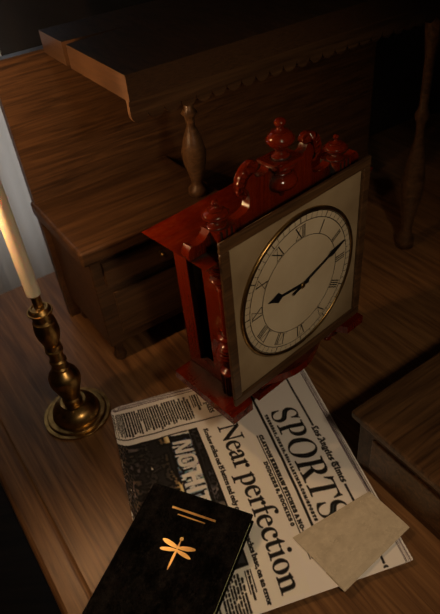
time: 9:12
